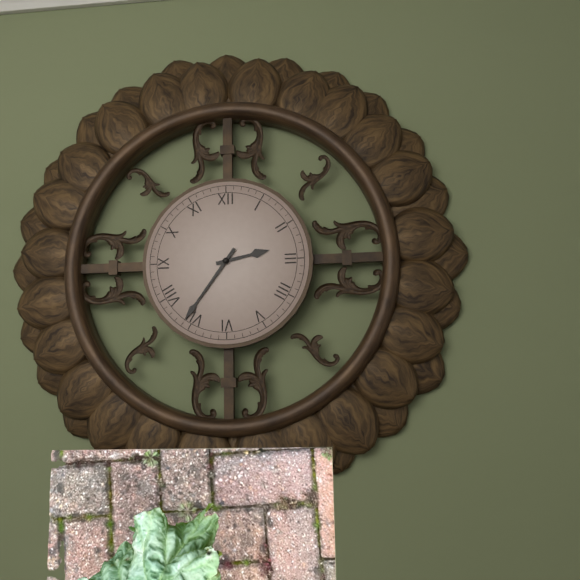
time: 2:36
